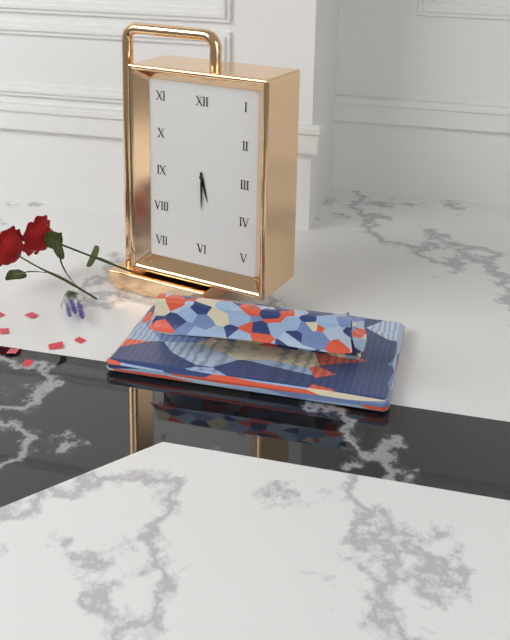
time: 5:30
